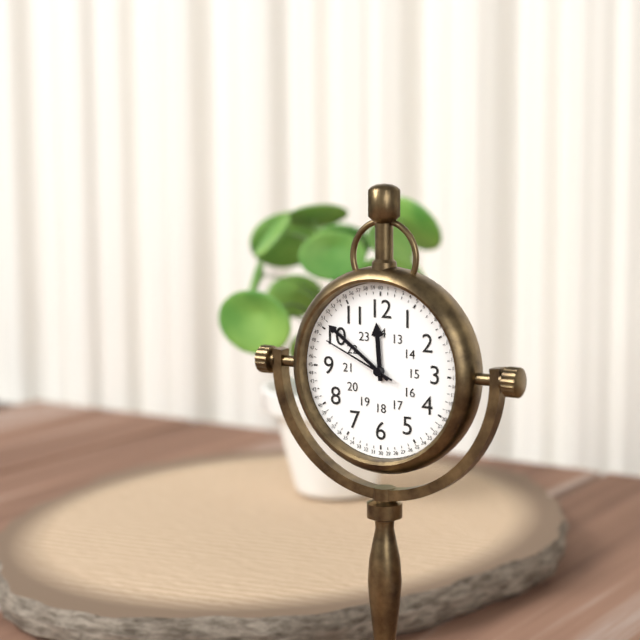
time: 11:51:49
